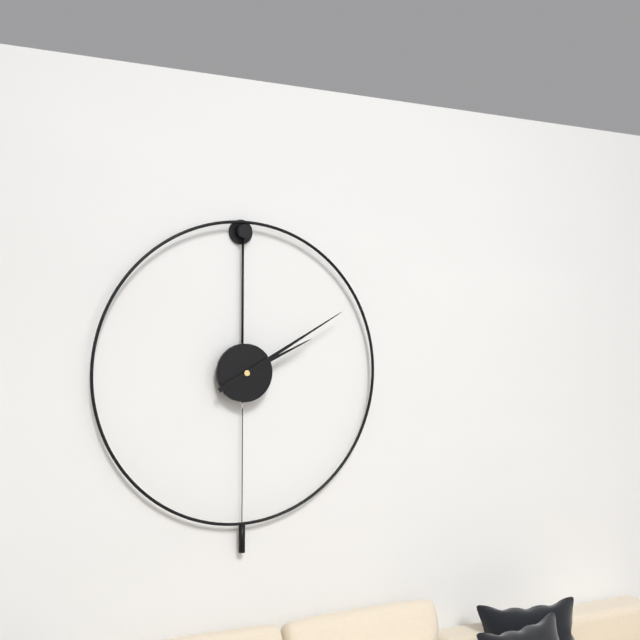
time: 2:10
